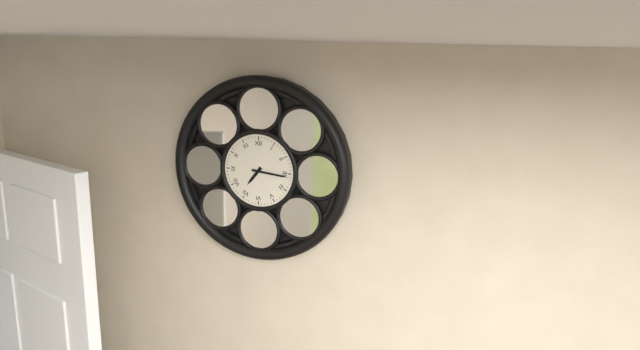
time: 7:16
